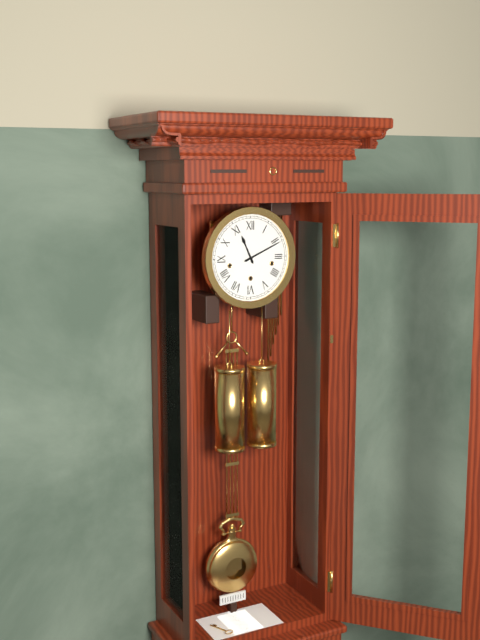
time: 11:11
